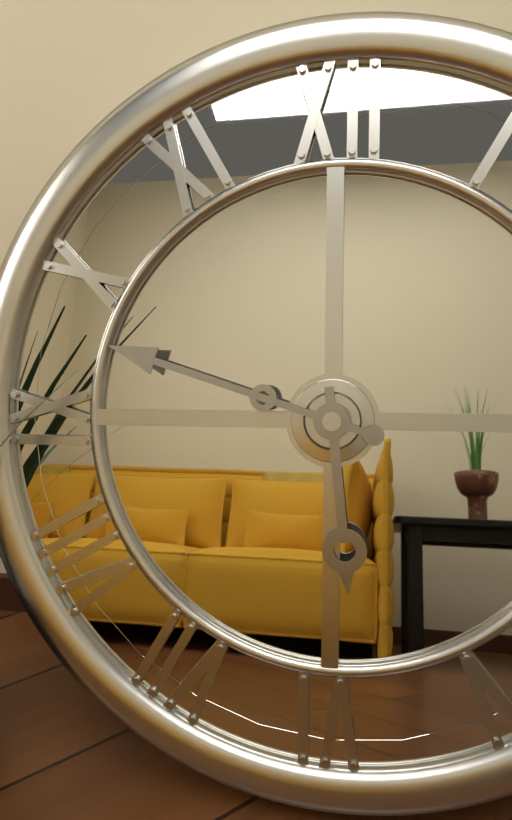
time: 5:48
